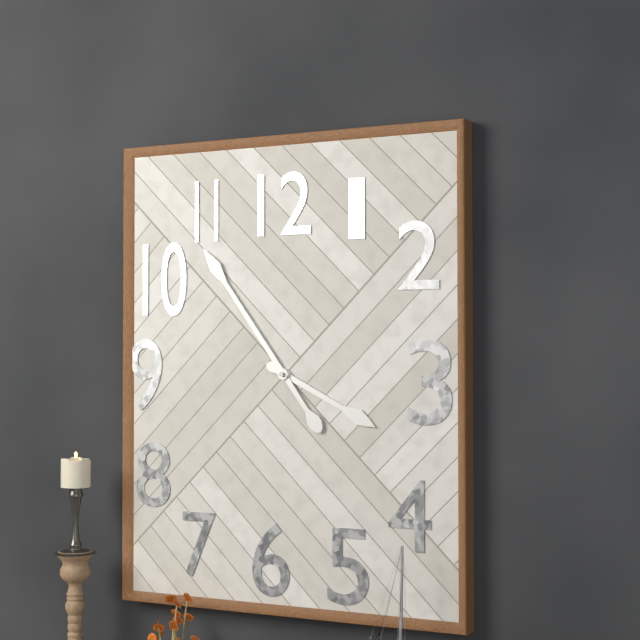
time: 3:54
